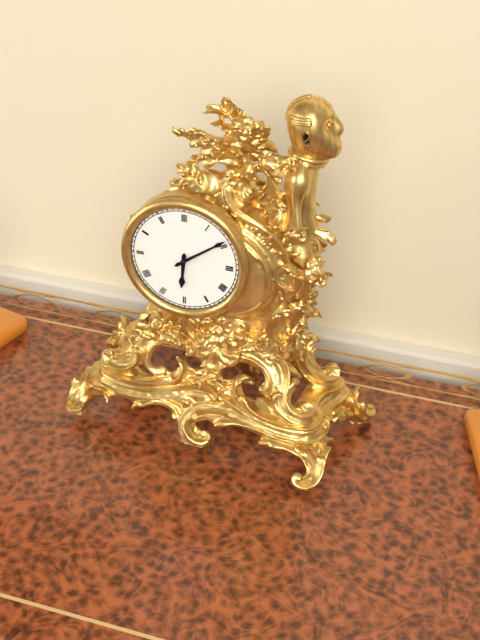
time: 6:09
